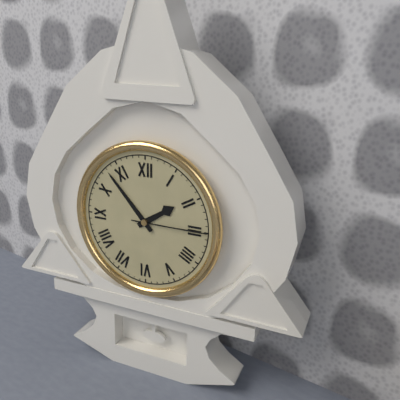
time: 1:53:15
